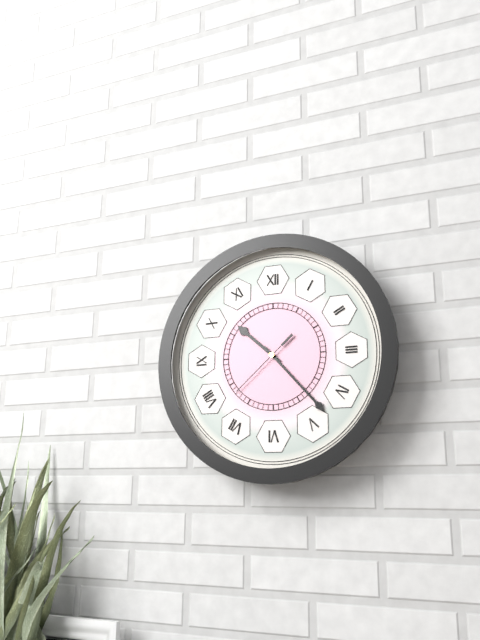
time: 10:23:38
